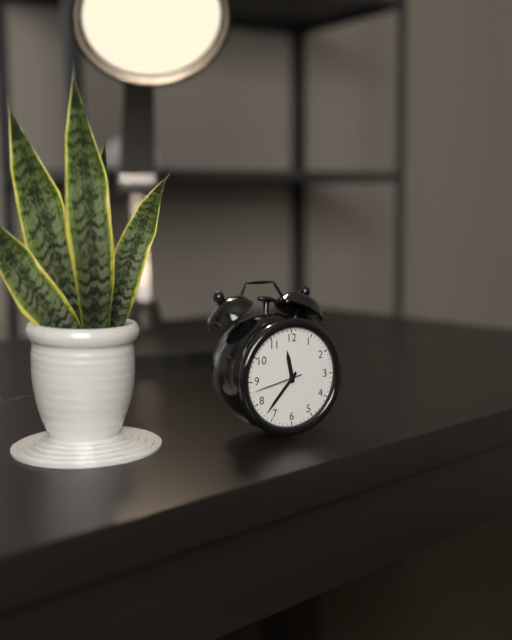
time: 11:37:43
